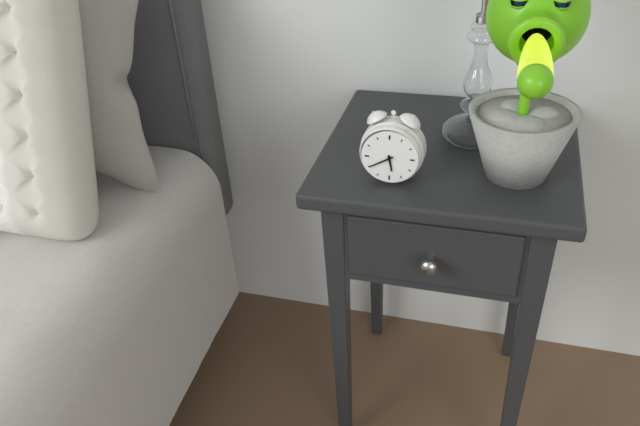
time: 5:40
